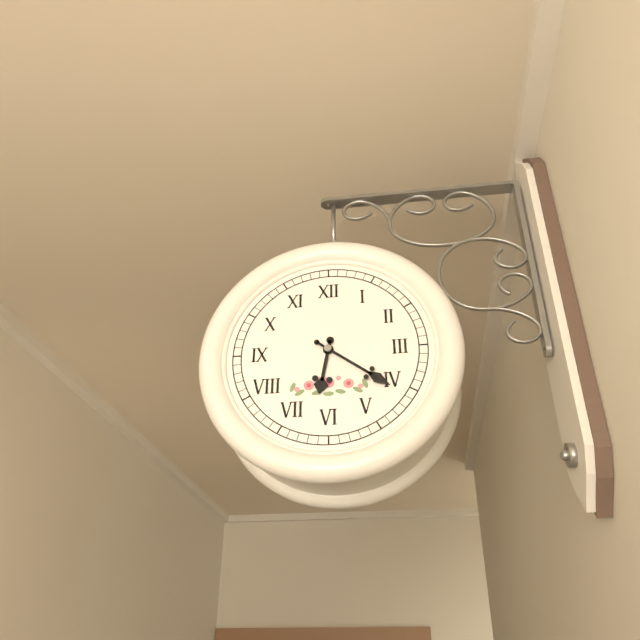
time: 6:21
